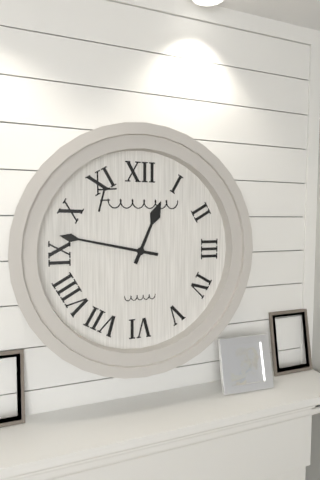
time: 12:47
